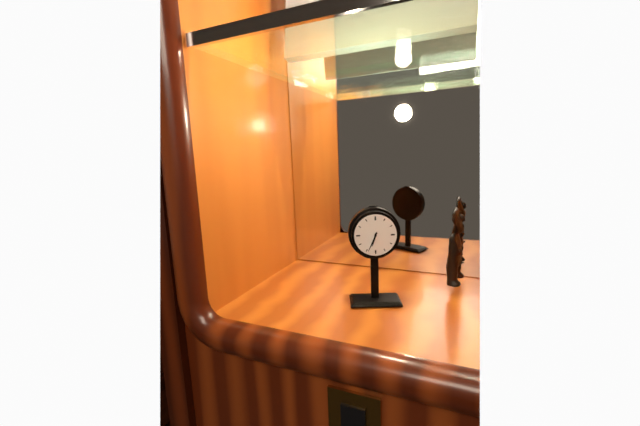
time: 6:34
